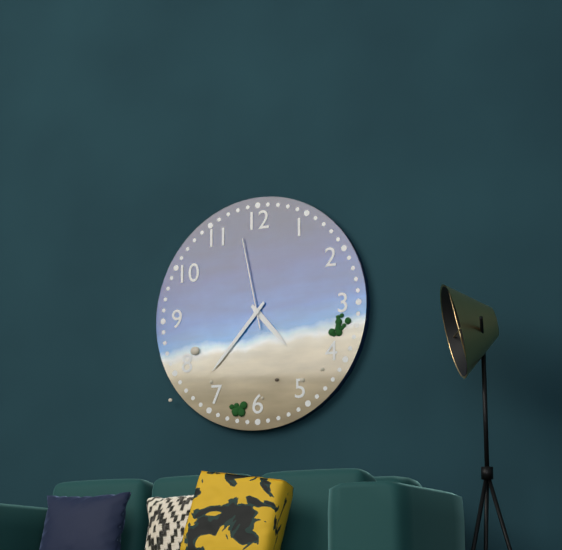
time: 4:37:58
